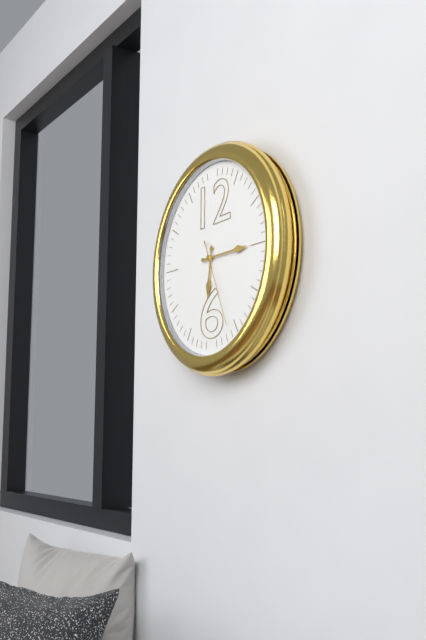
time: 6:15:26
